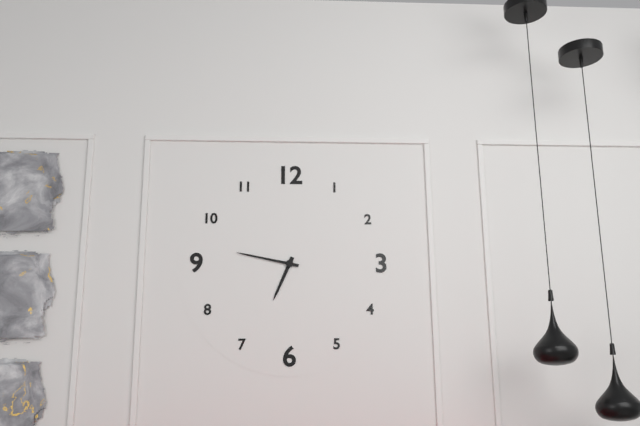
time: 6:47
